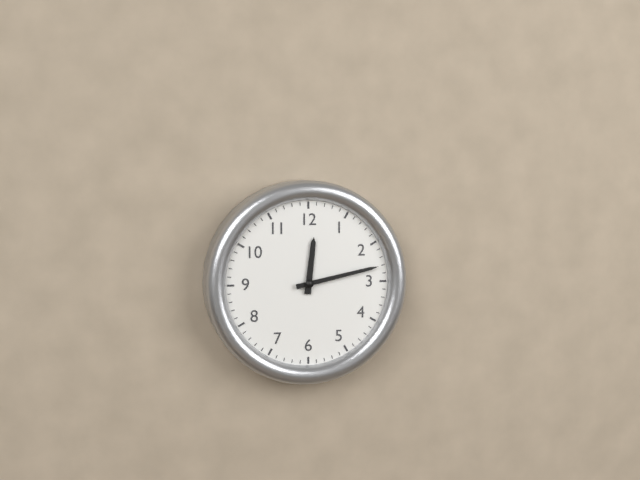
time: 12:13
